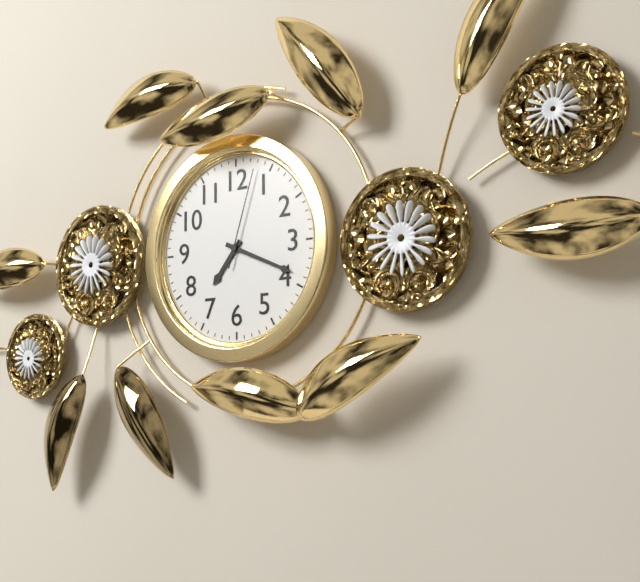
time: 7:19:03
